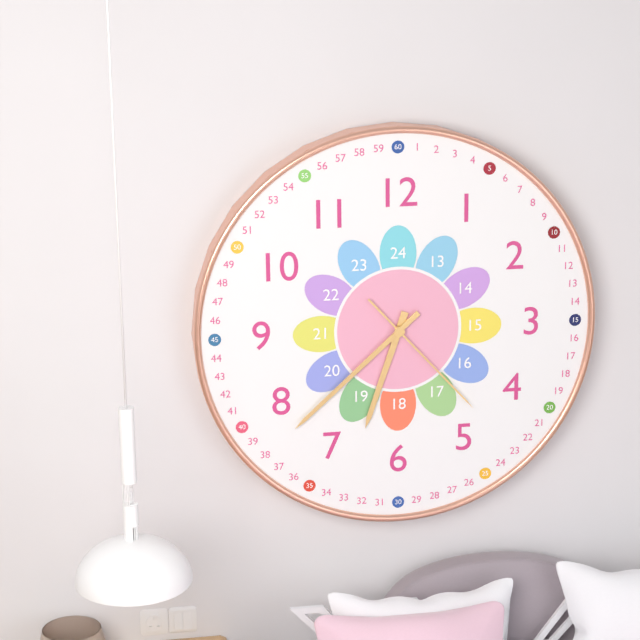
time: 6:38:23
